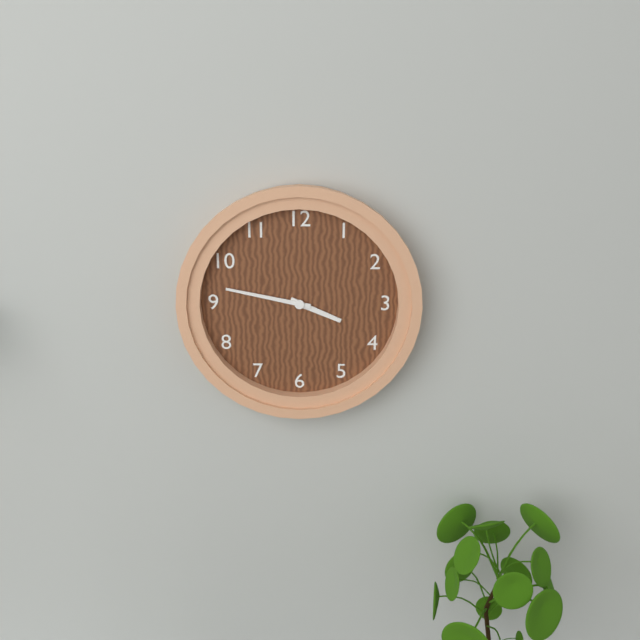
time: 3:47
